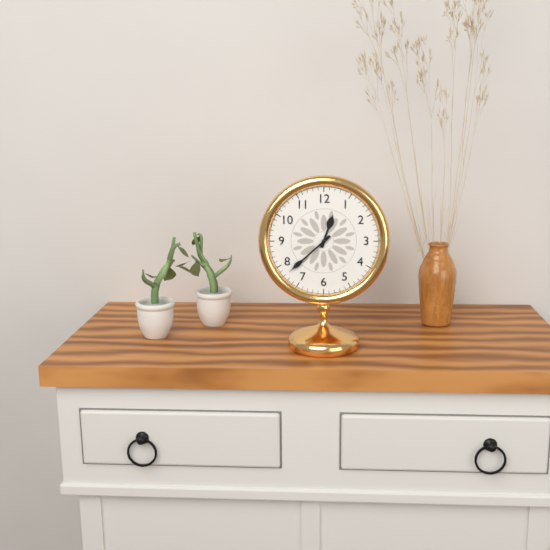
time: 12:38
